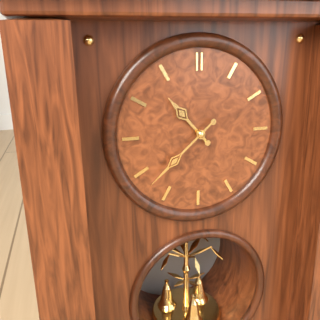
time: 10:38
